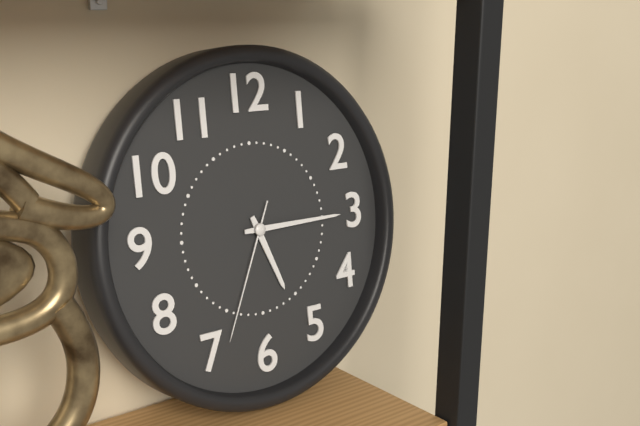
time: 5:15:34
